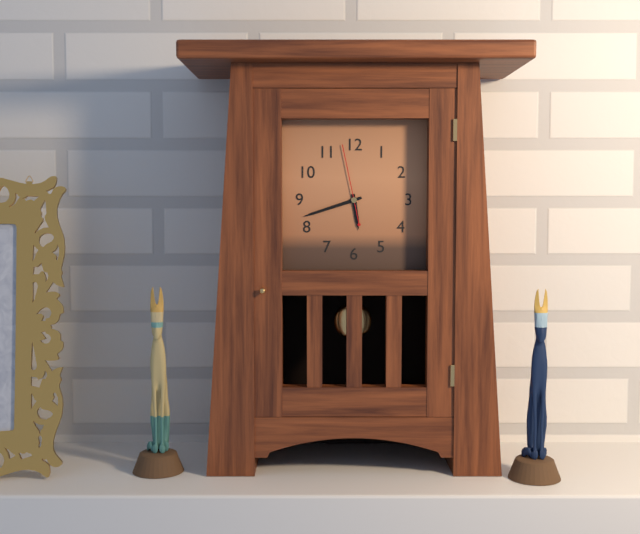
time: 5:42:58
